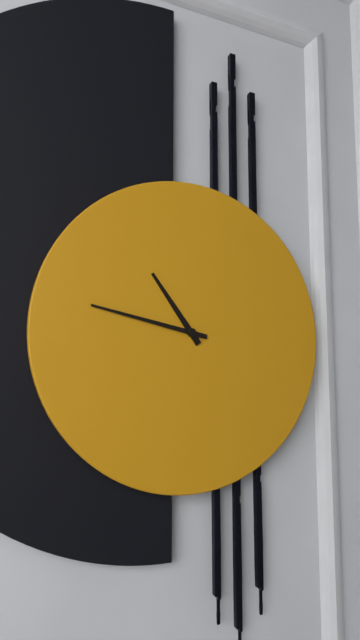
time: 10:47
